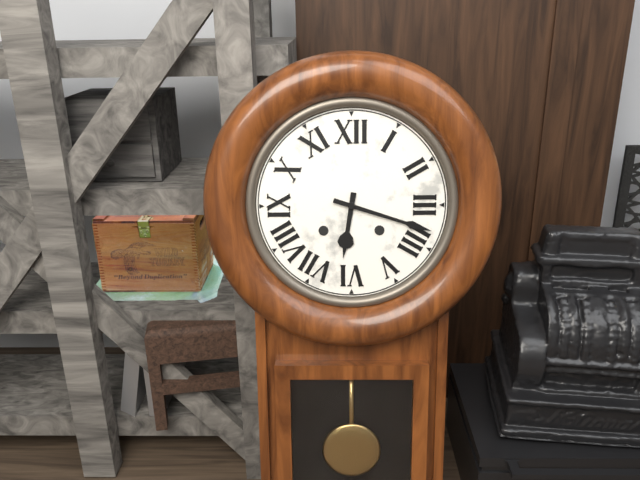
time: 6:18
